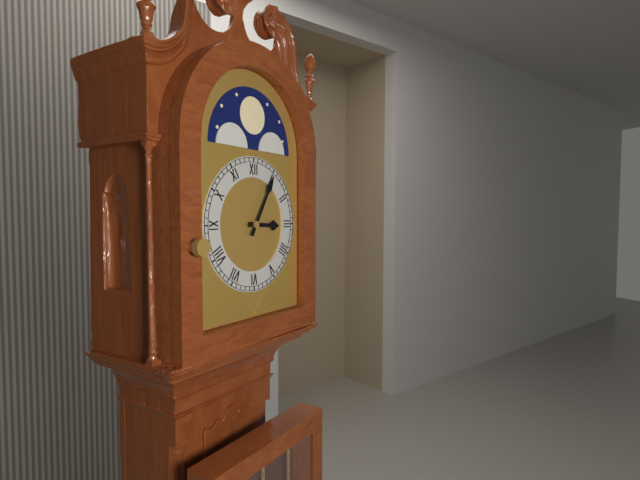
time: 3:05
